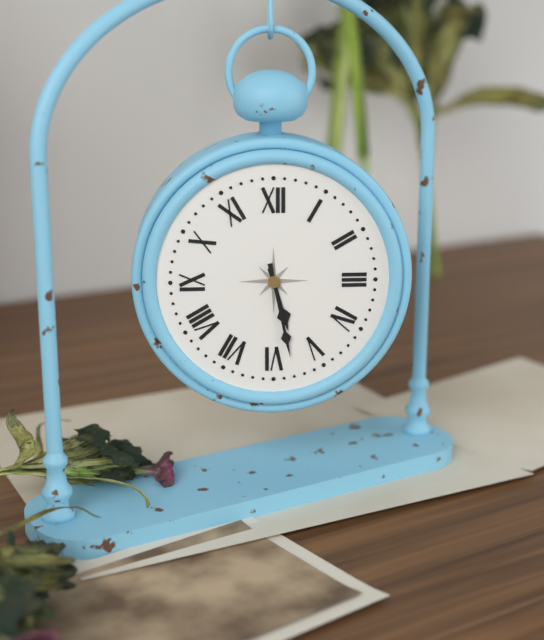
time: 5:28
